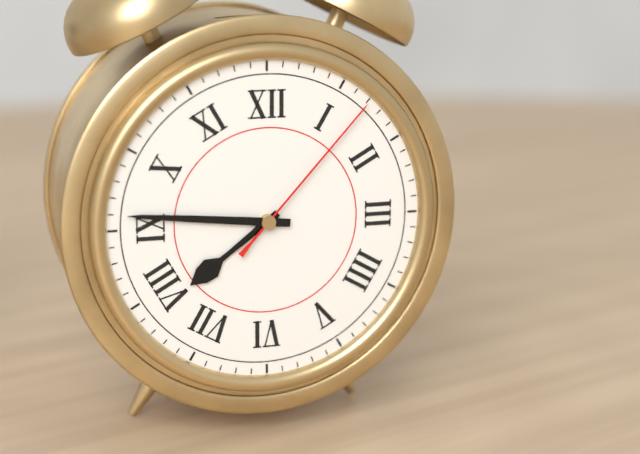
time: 7:46:07
